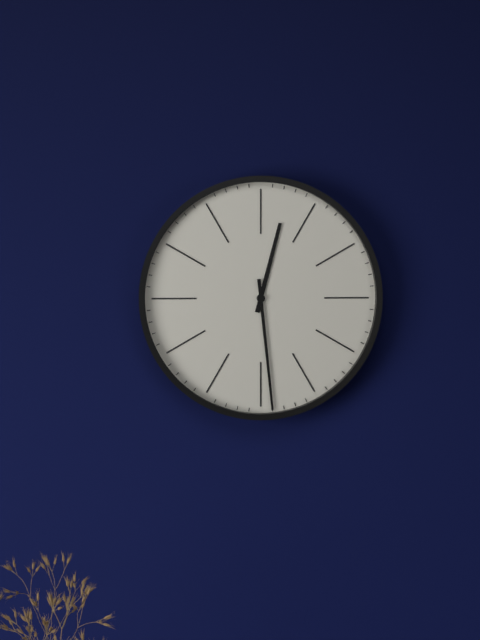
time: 12:29
